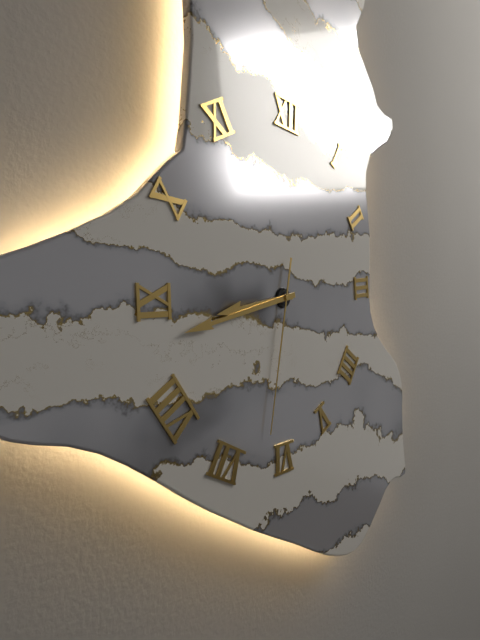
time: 8:43:32
